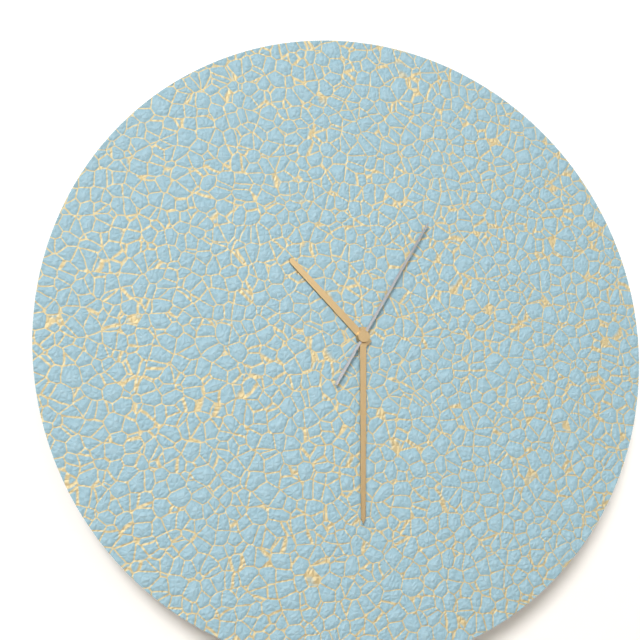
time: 10:30:05
